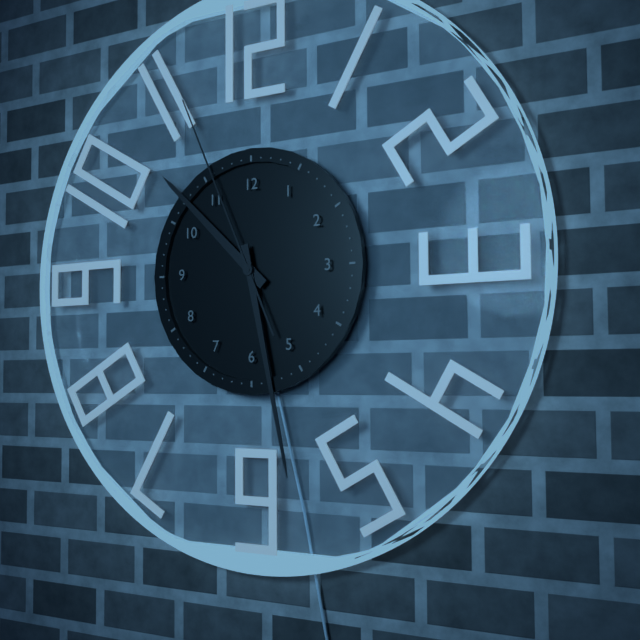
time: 10:28:56
